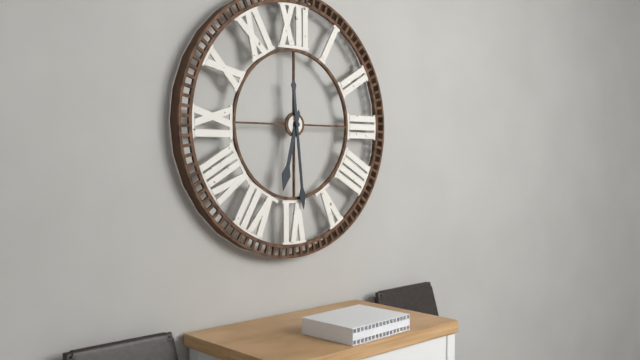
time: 6:29
